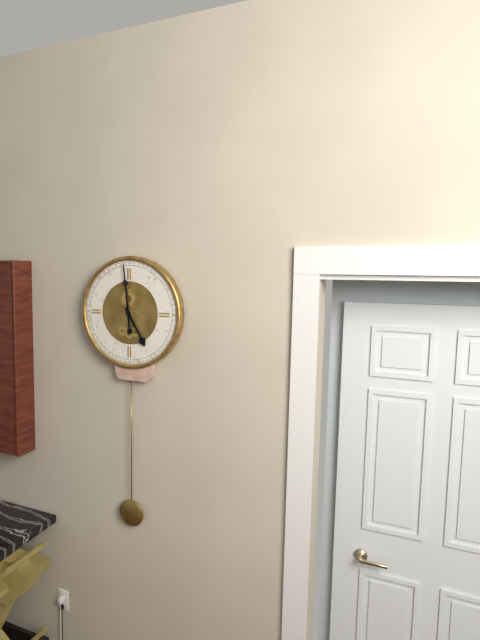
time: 4:59
